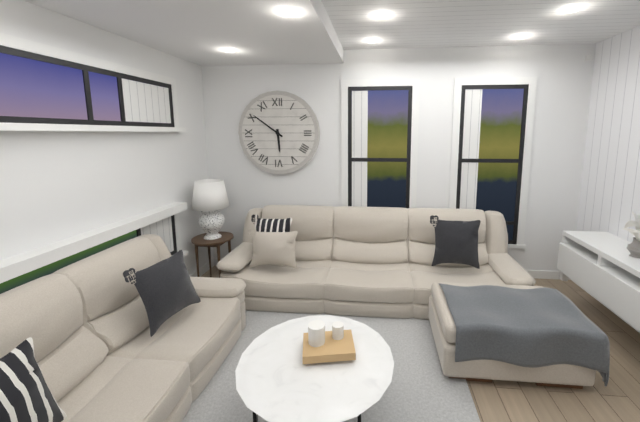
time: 5:51
